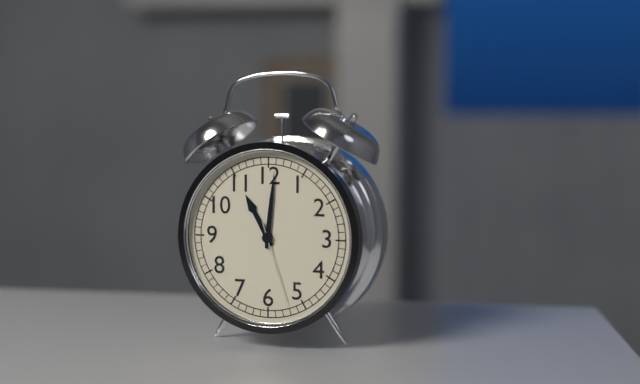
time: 11:01:27
